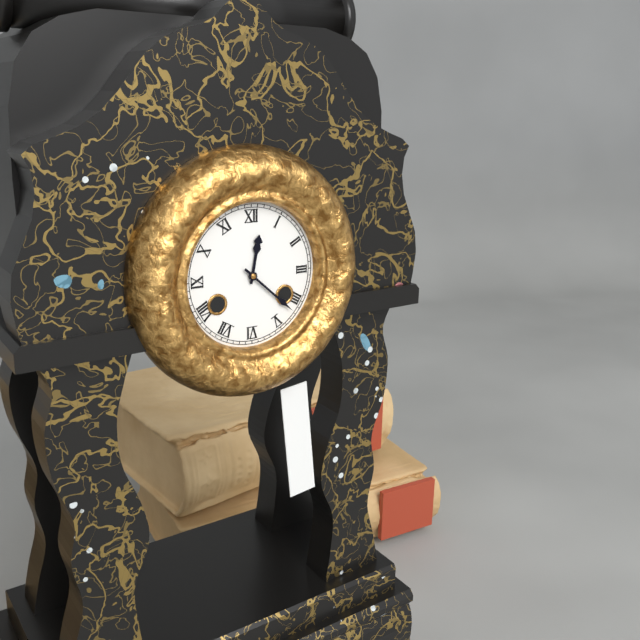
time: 12:22
